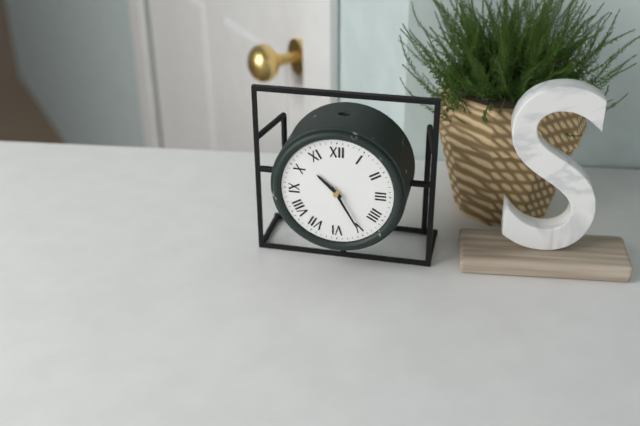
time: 10:25
